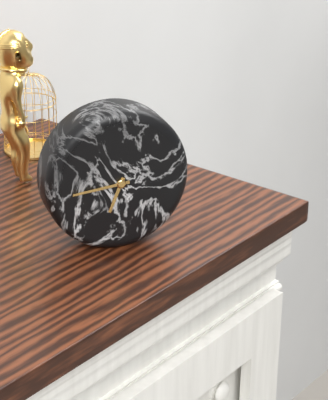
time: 6:44
